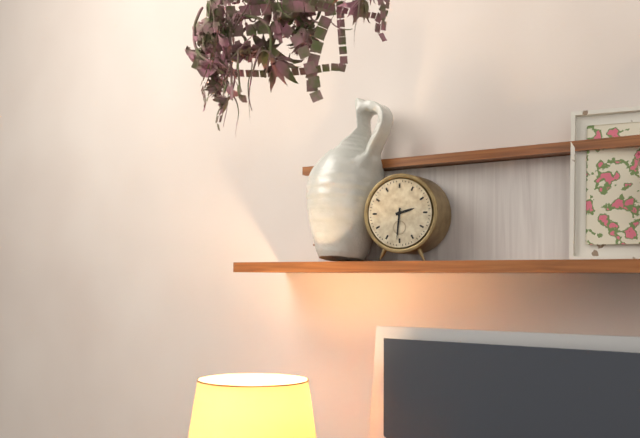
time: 2:31
